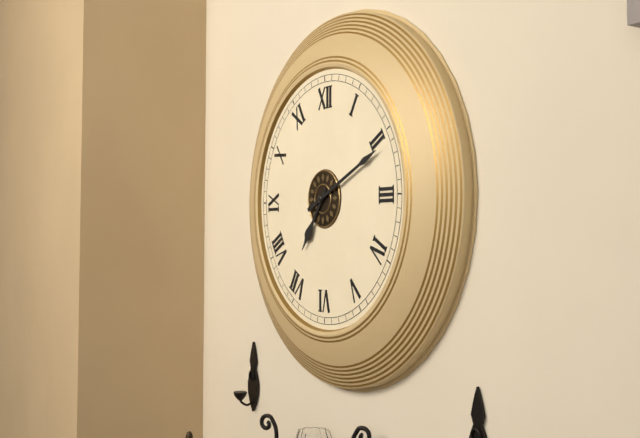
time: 7:11
